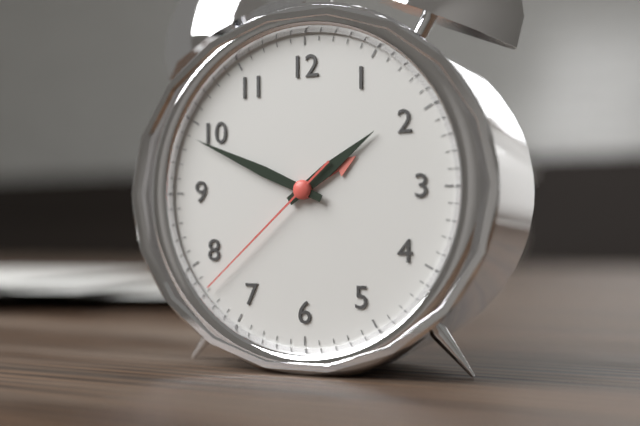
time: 1:49:38
